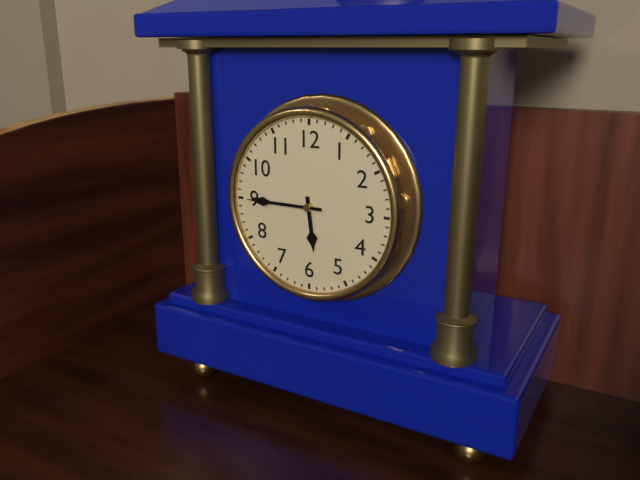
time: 5:45
